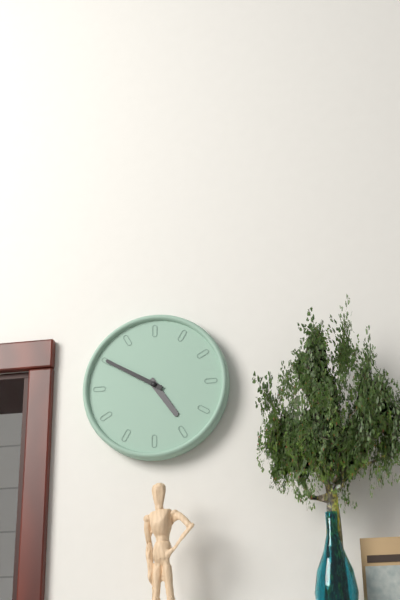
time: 4:50
